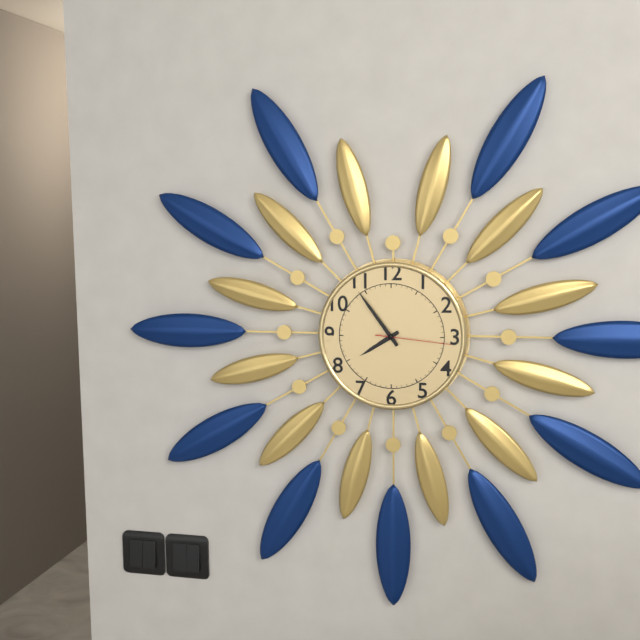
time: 7:54:16
